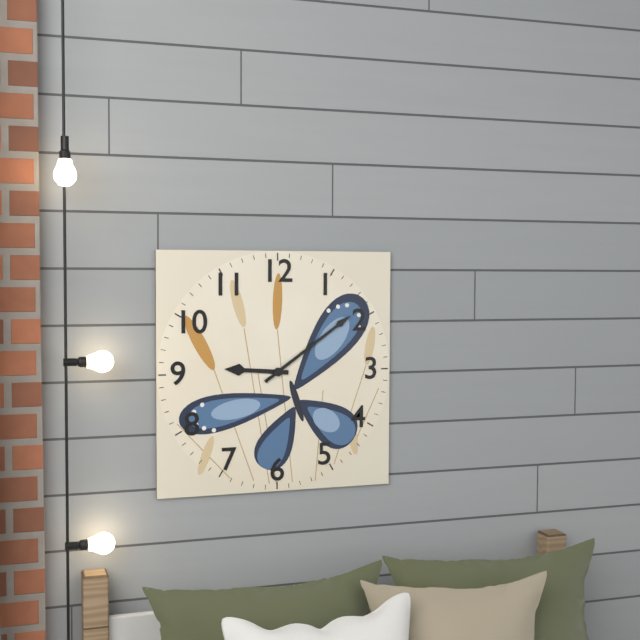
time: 9:09
